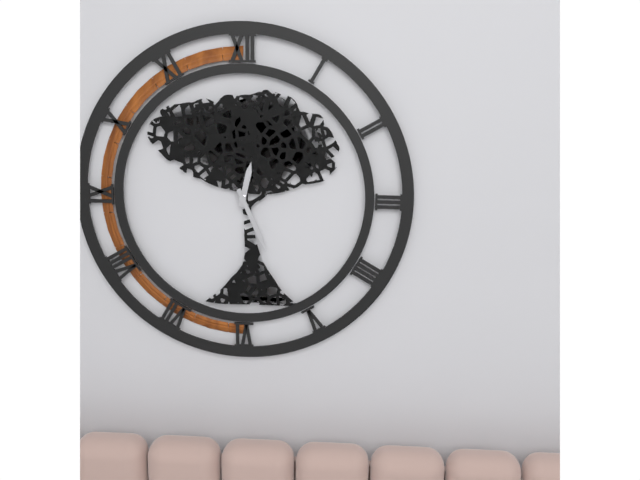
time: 12:26
